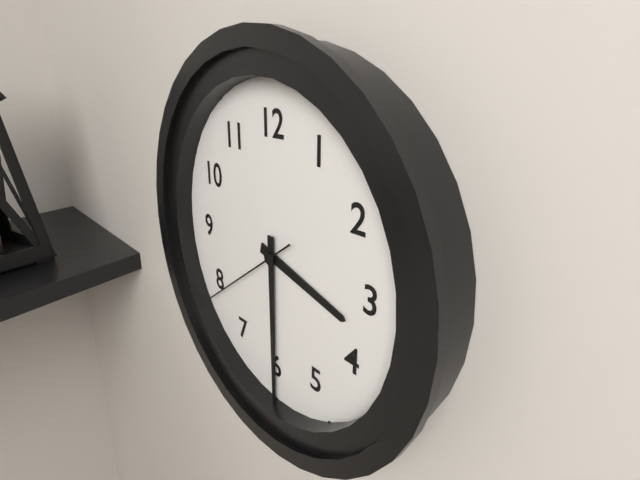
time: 3:30:39
